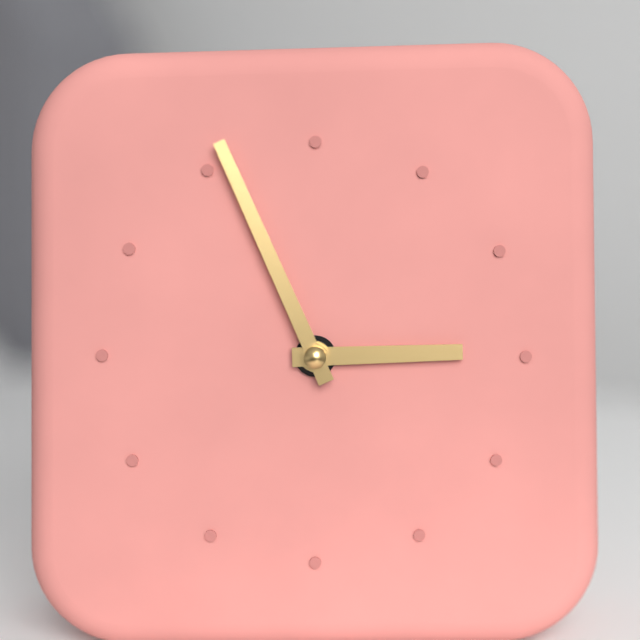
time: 2:56
